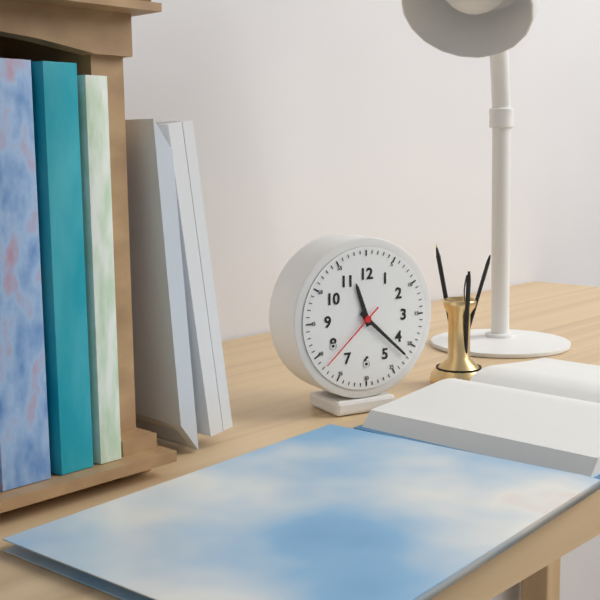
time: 11:22:38
